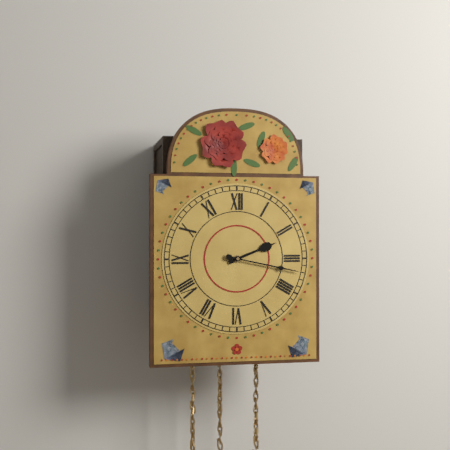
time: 2:17
